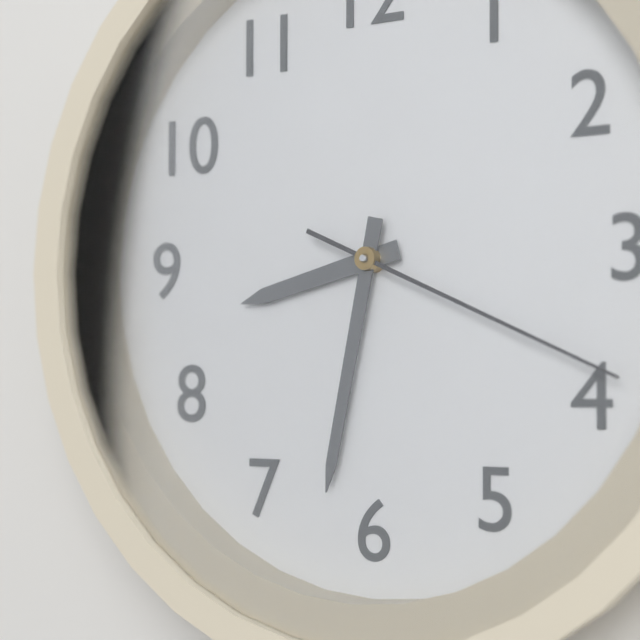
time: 8:32:19
